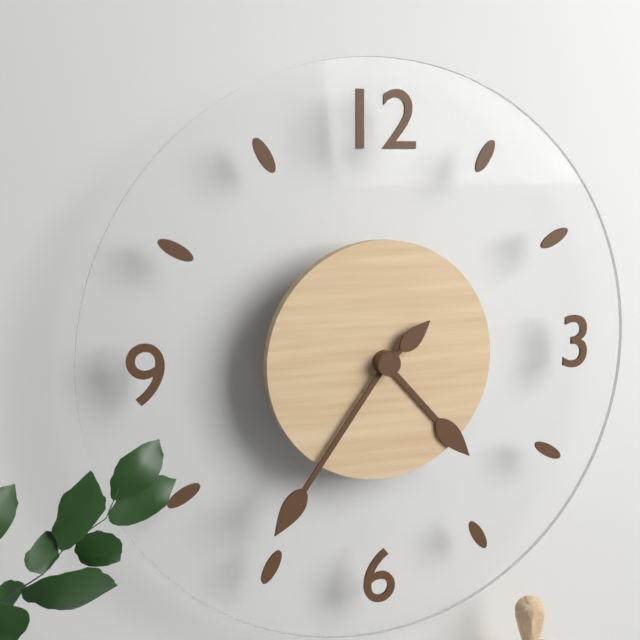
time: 4:36:08
